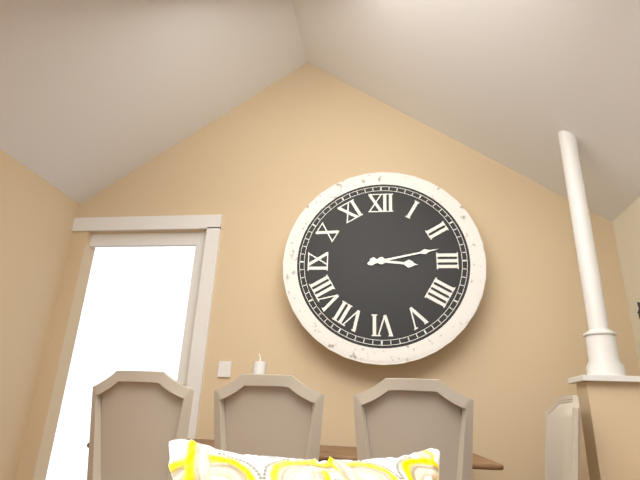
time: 3:13
